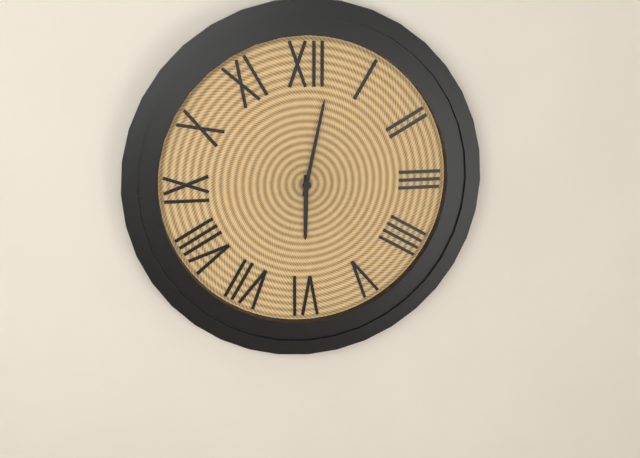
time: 6:02
